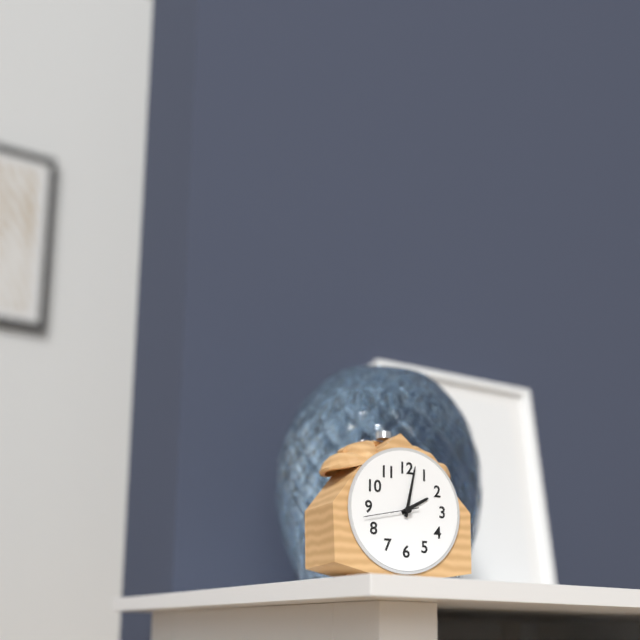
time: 2:02:43
